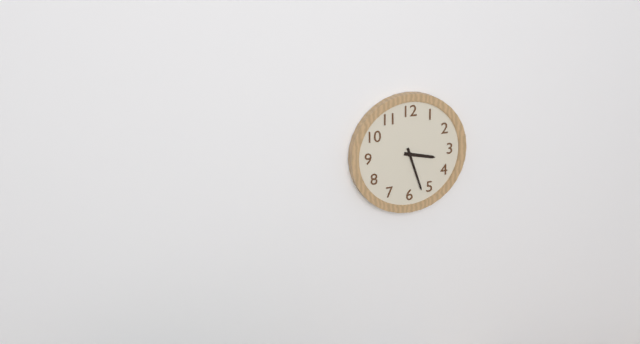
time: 3:27
